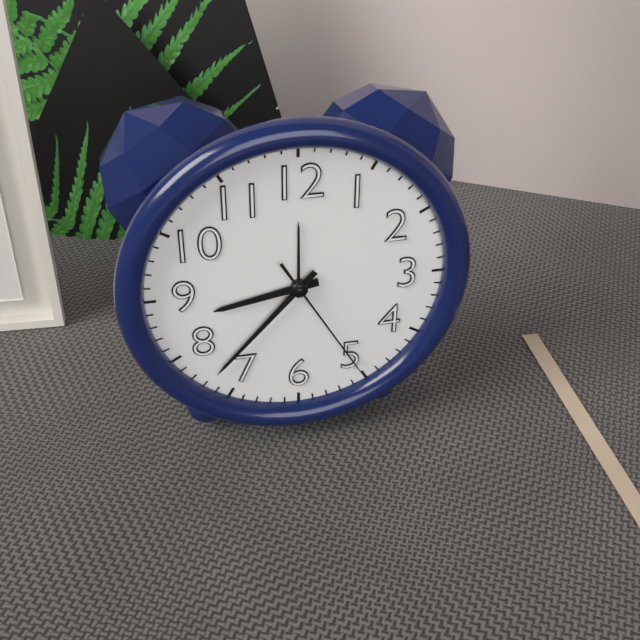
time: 8:37:25
